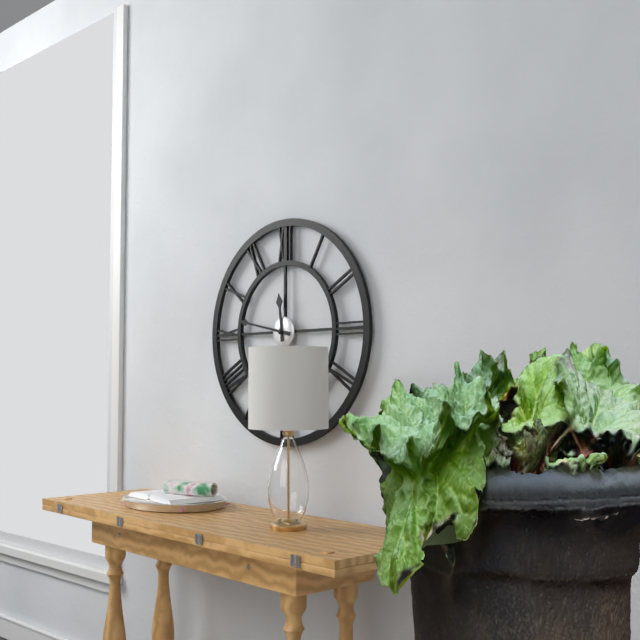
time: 11:47
